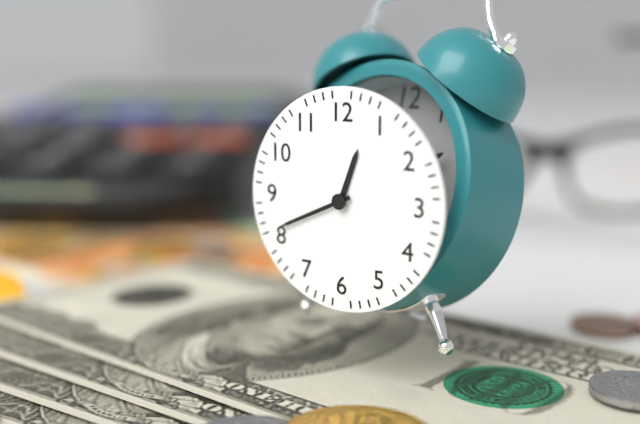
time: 12:41
